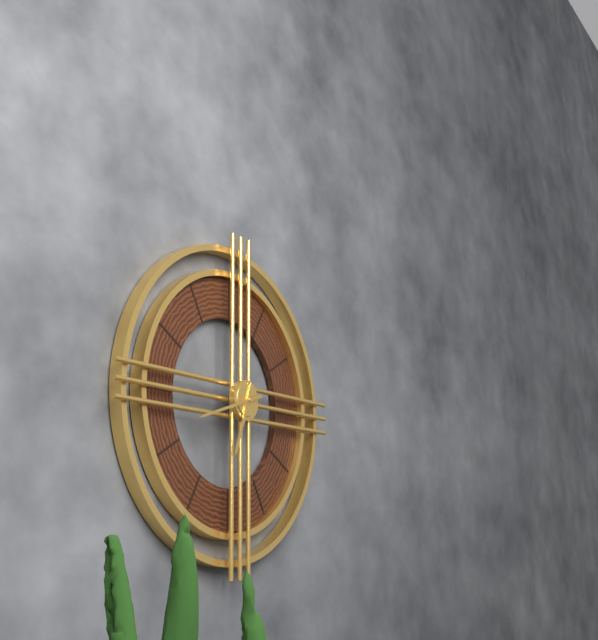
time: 6:42
